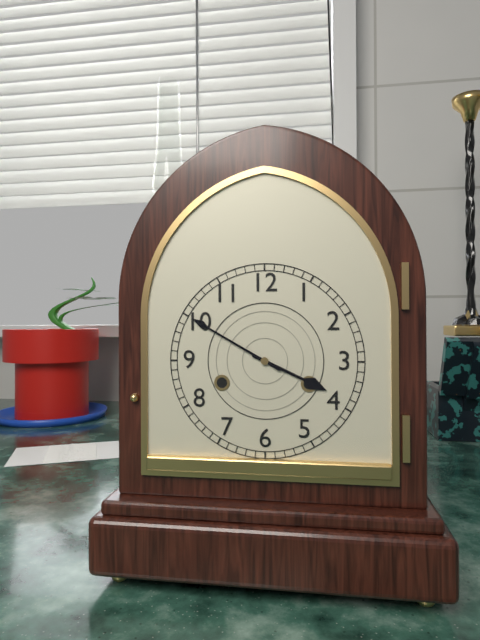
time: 3:50
